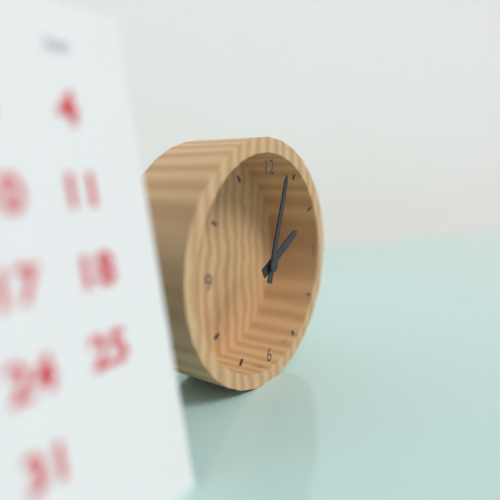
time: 2:03
